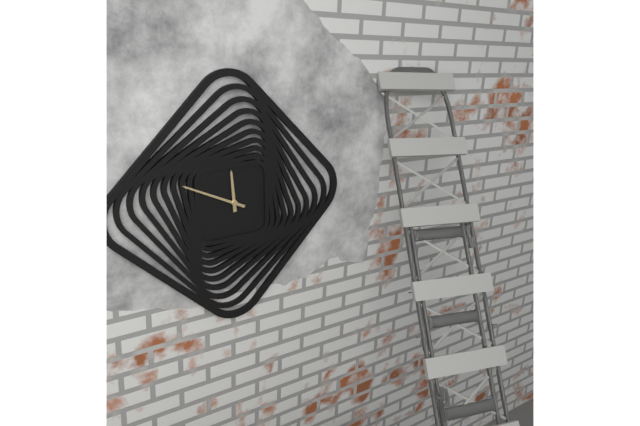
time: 11:49
